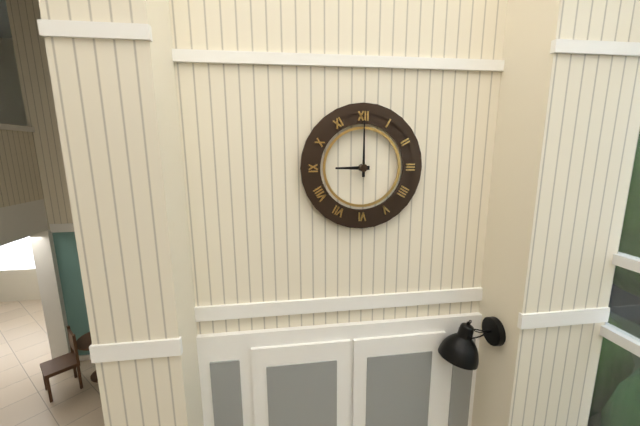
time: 9:00
